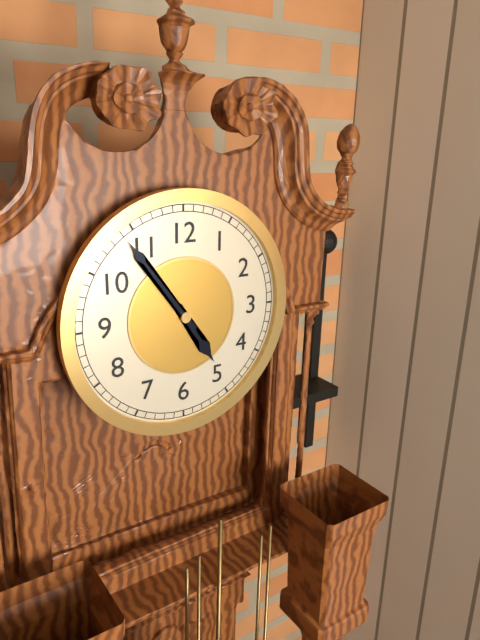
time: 4:54
